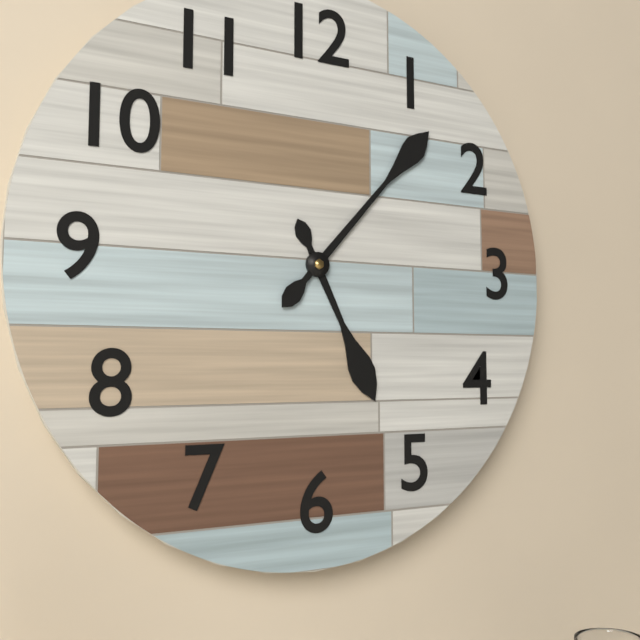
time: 5:07
